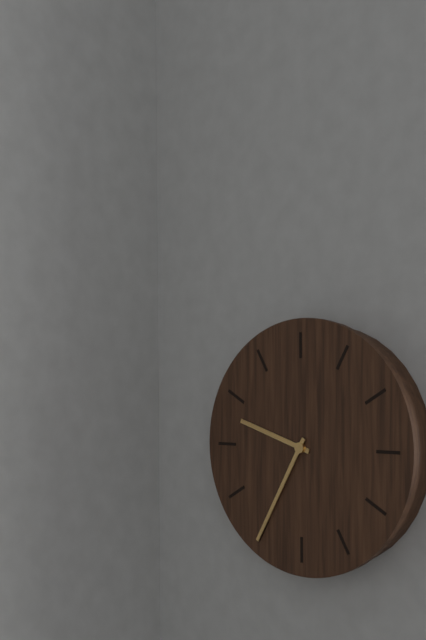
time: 9:35
